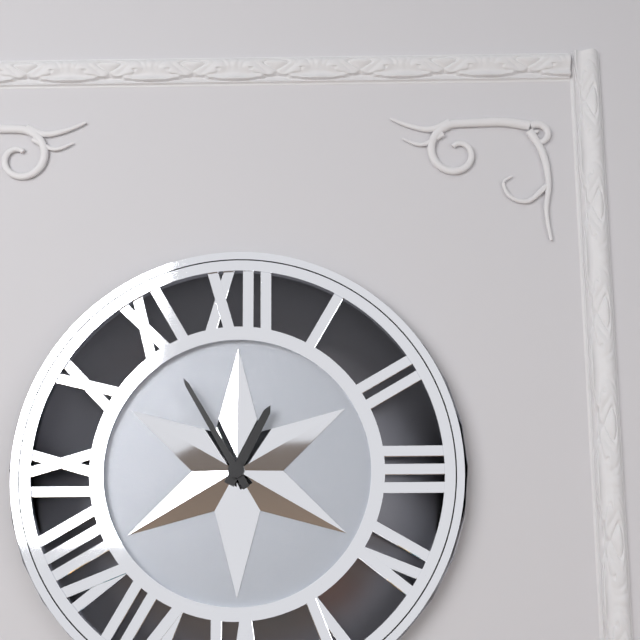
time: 12:55
